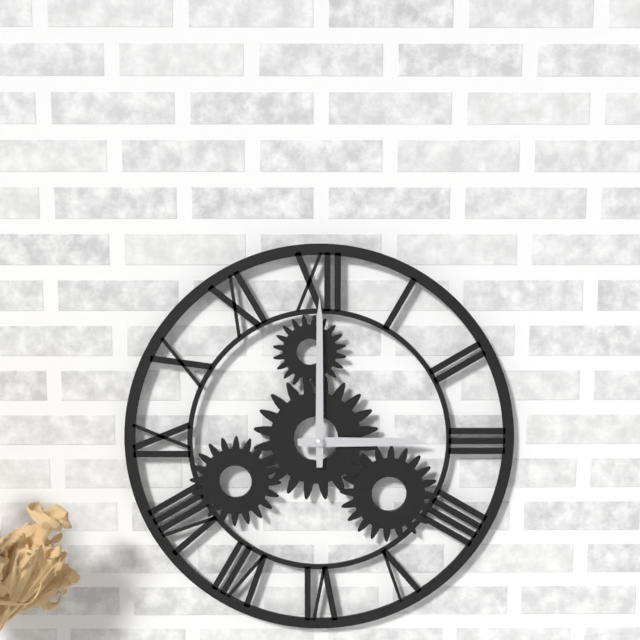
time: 3:00
